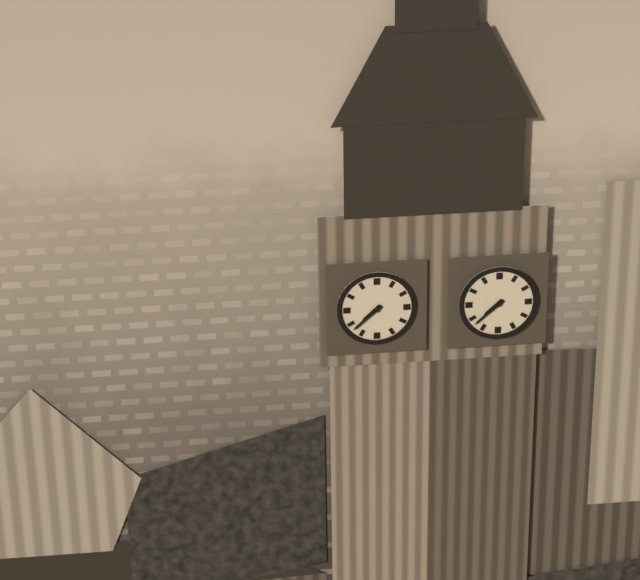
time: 7:38
